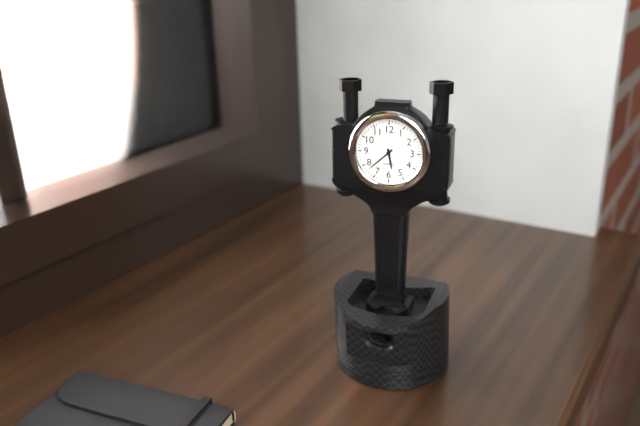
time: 5:38
